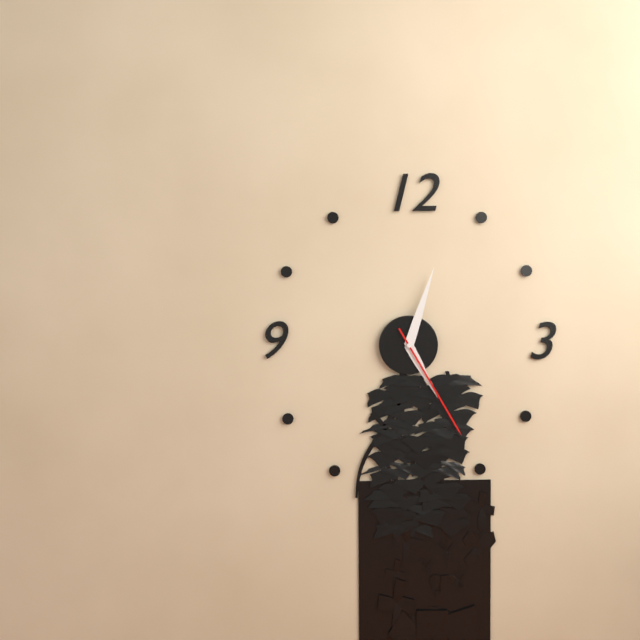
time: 5:03:25
